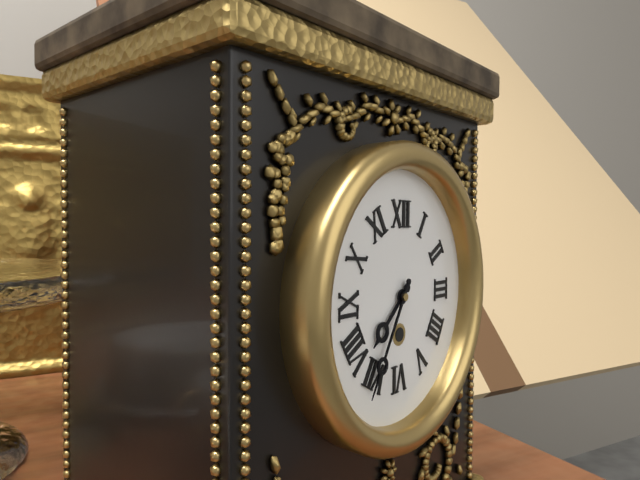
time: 7:35
